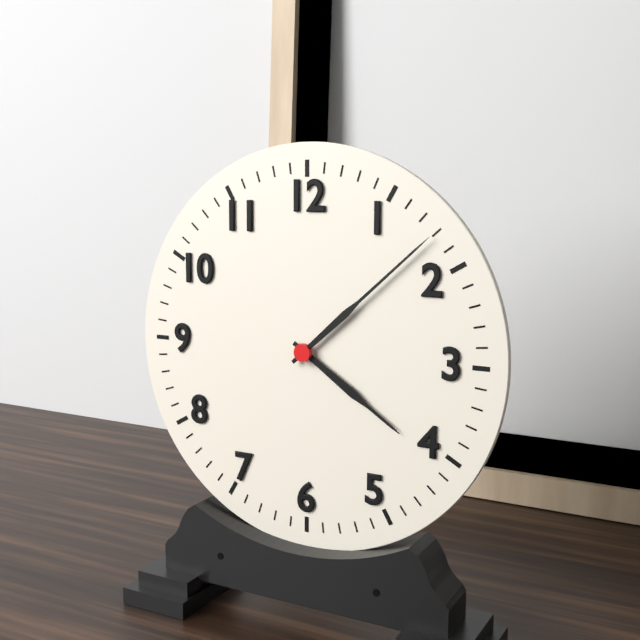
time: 4:08
